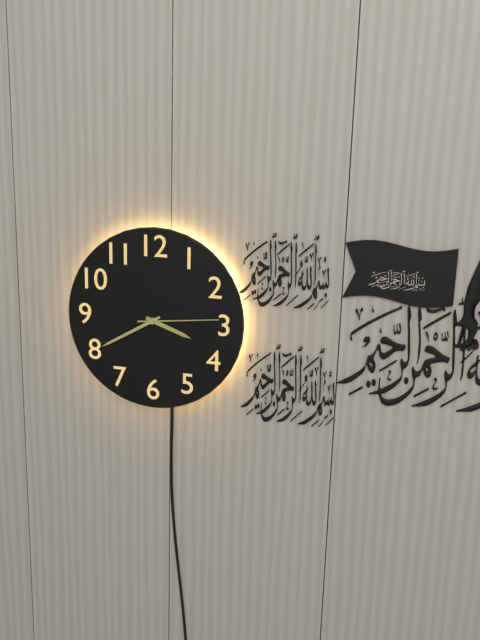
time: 3:40:14
